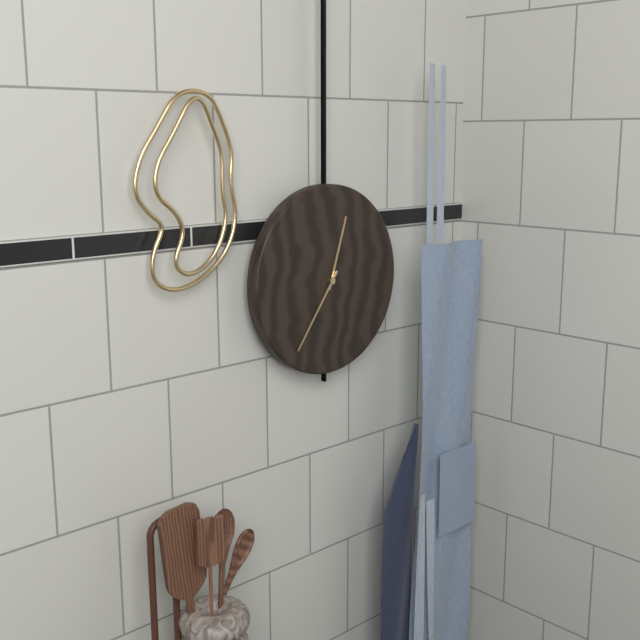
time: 12:36
